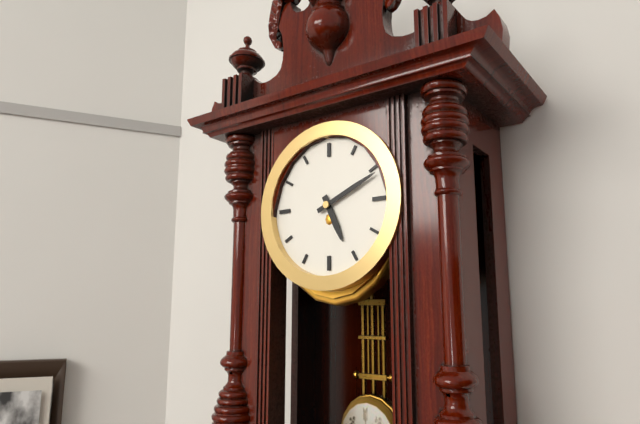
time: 5:11
